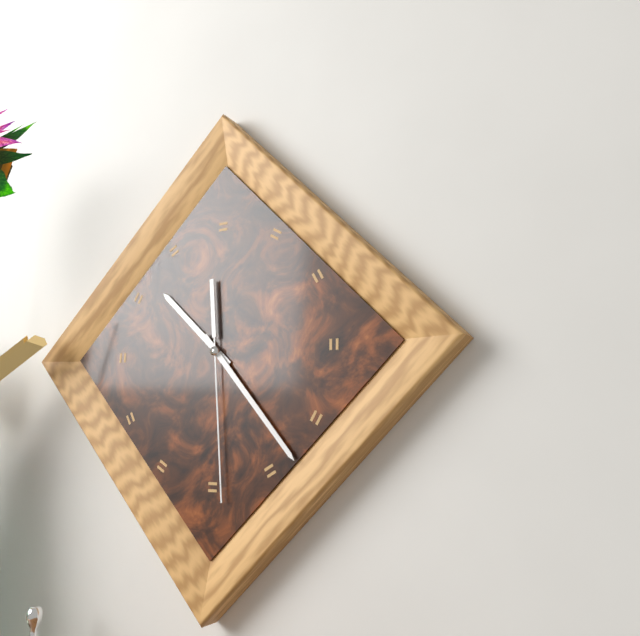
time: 10:23:29
